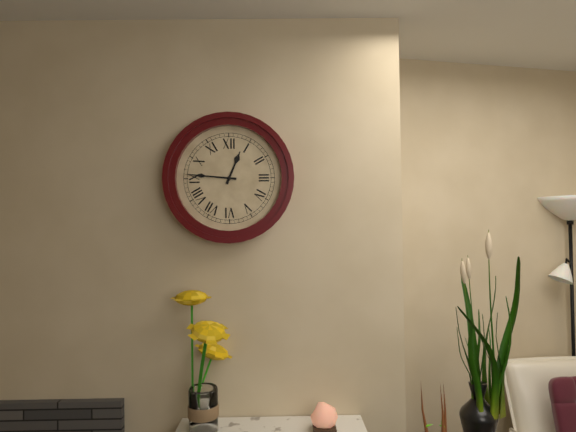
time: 12:46
